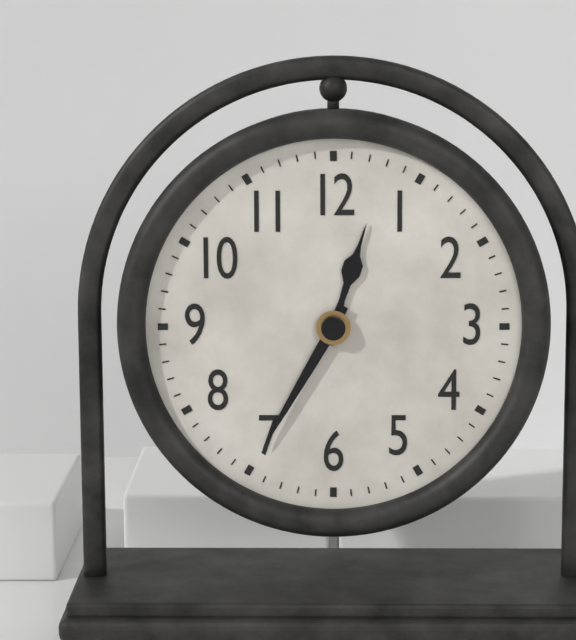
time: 12:35
